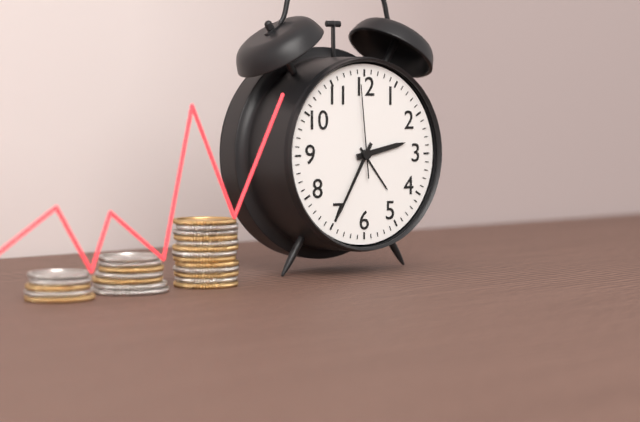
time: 2:35:59
